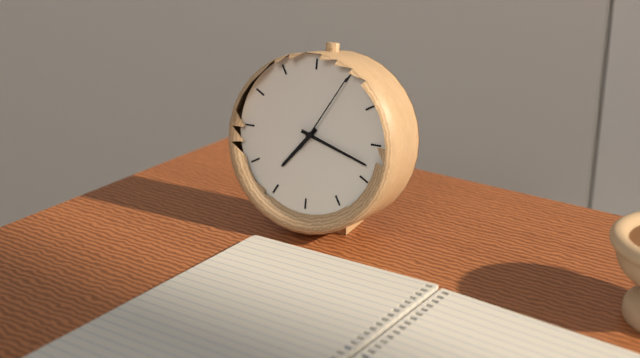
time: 7:18:05
